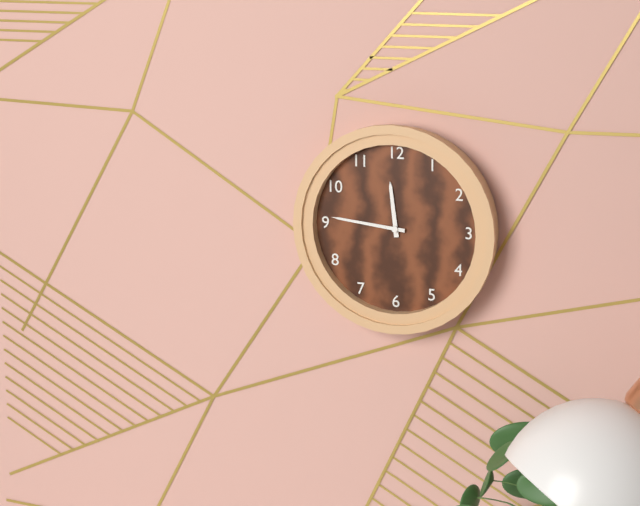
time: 11:46
